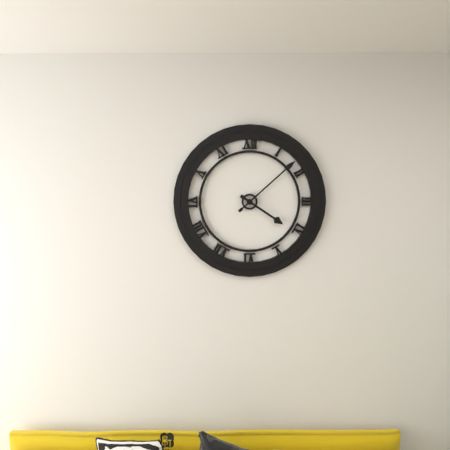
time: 4:08
